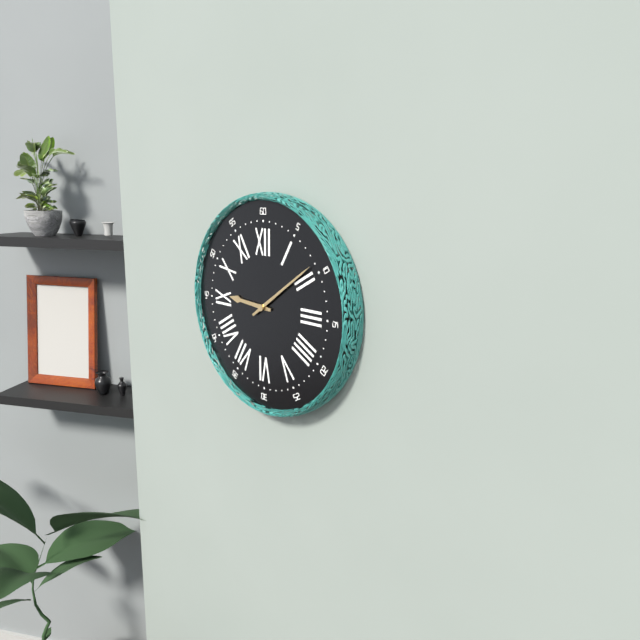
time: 9:09
